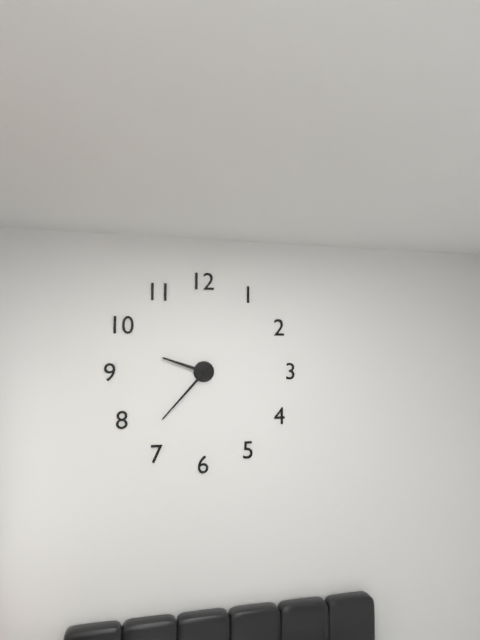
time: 9:37
